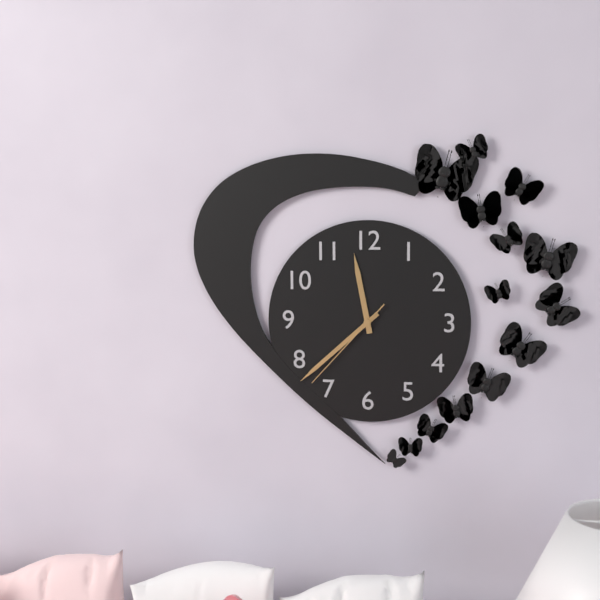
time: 11:38:37
